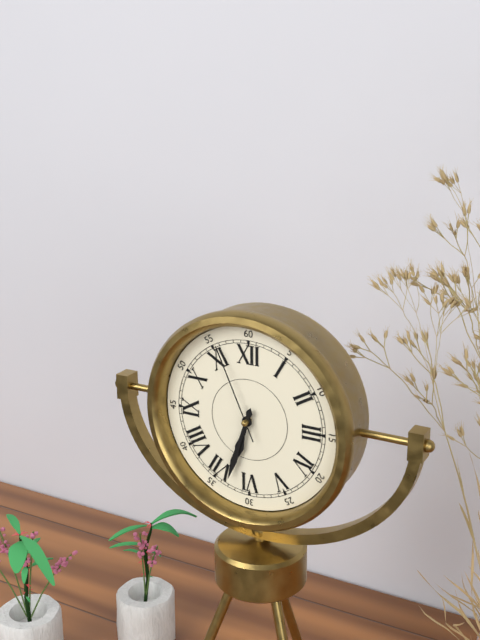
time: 6:33:56
